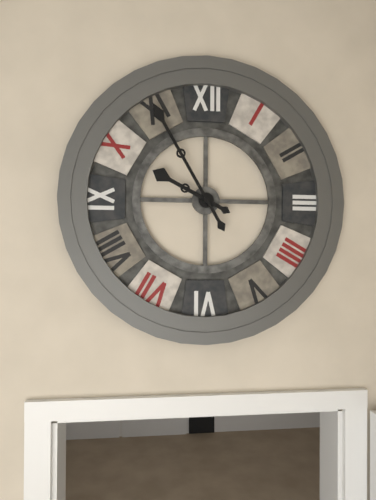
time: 9:55
